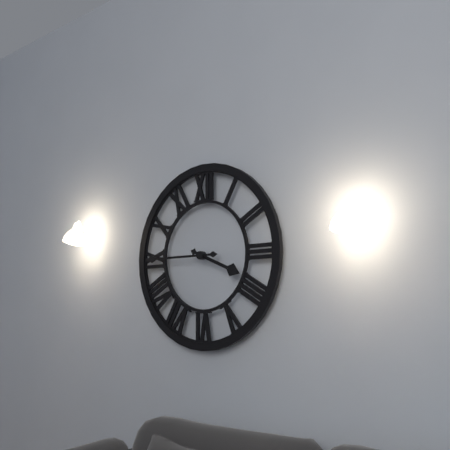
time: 3:45
